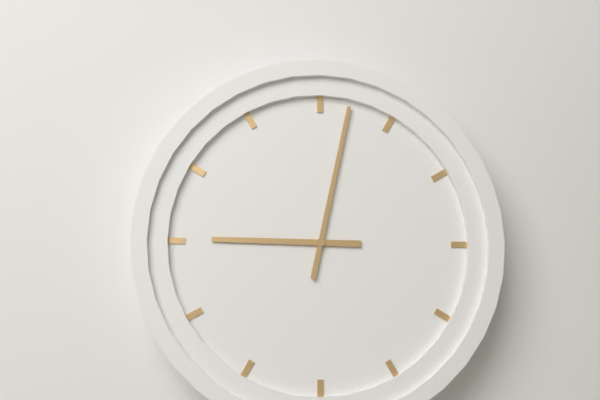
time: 9:02
